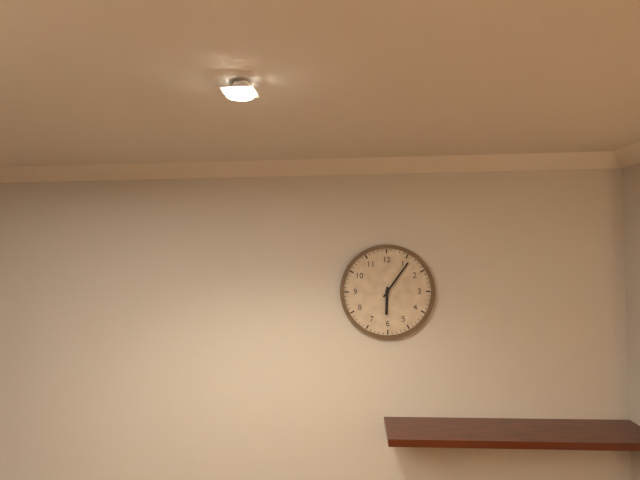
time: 6:06
